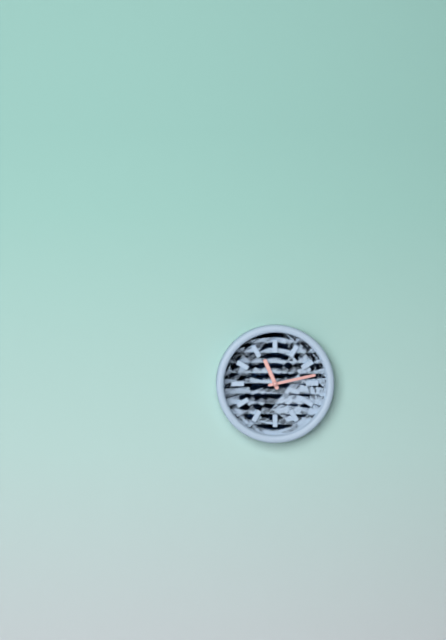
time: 11:13
